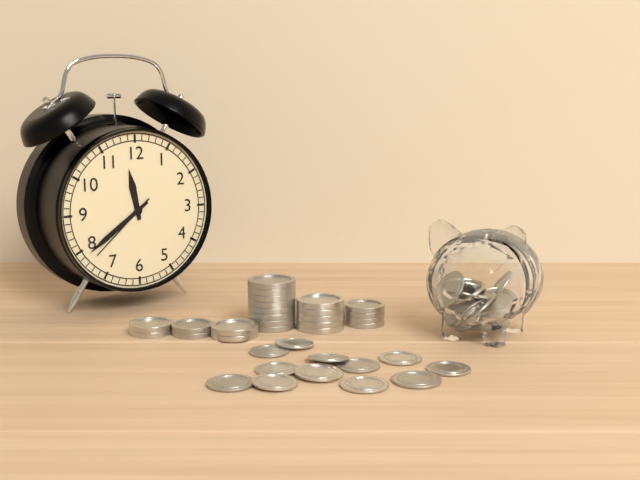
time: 11:39:38
